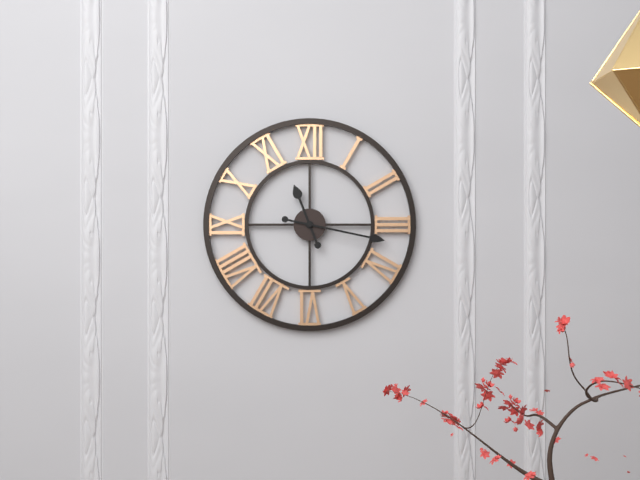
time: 11:17
